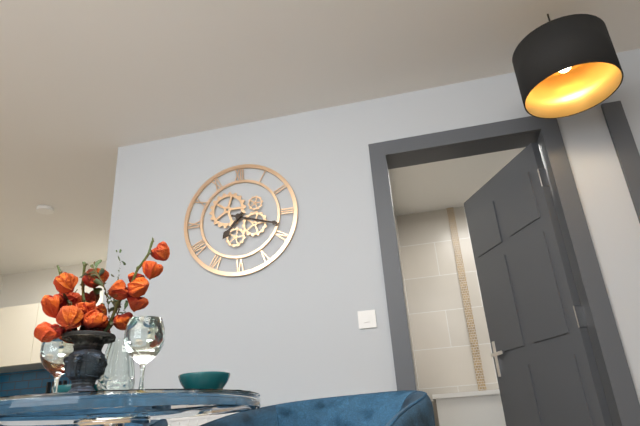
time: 7:18
